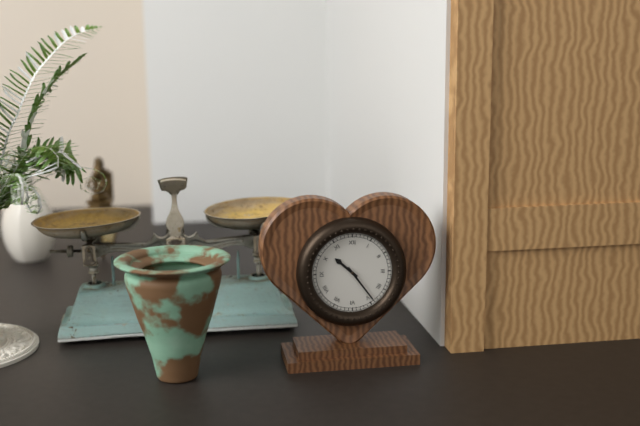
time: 10:24
